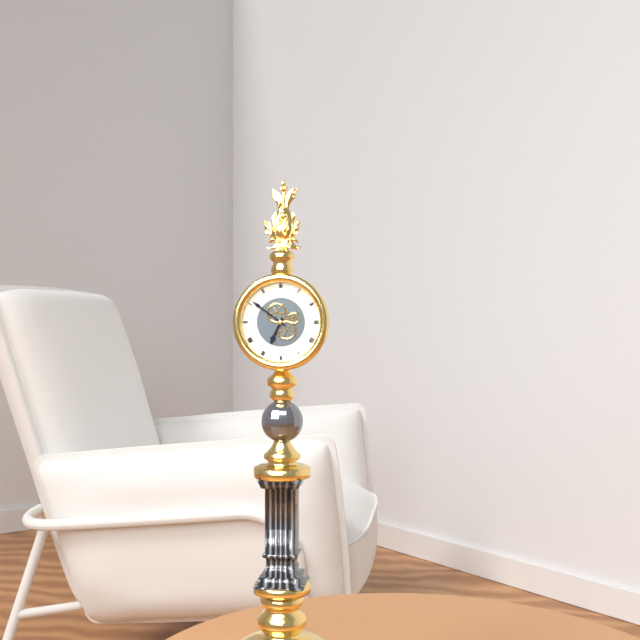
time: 6:51
